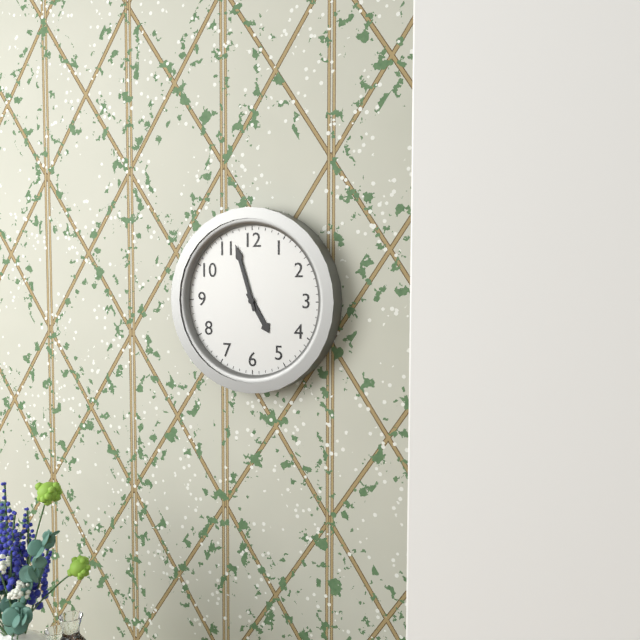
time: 4:57
